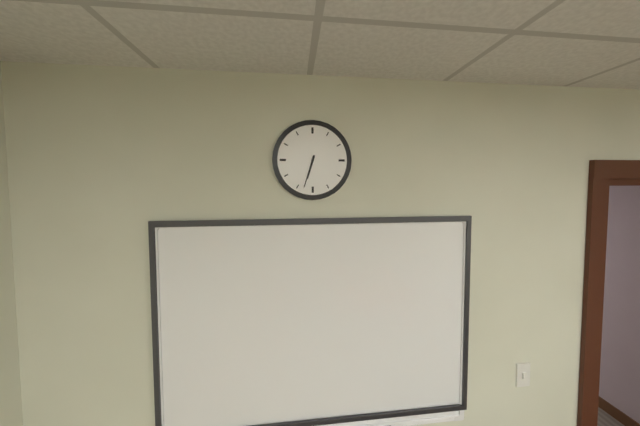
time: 6:33
